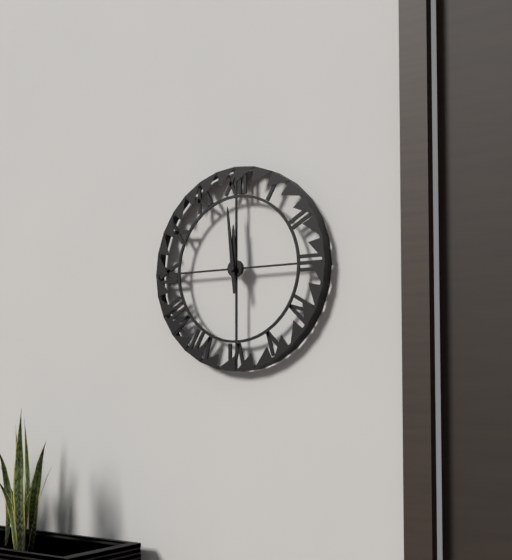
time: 11:59
